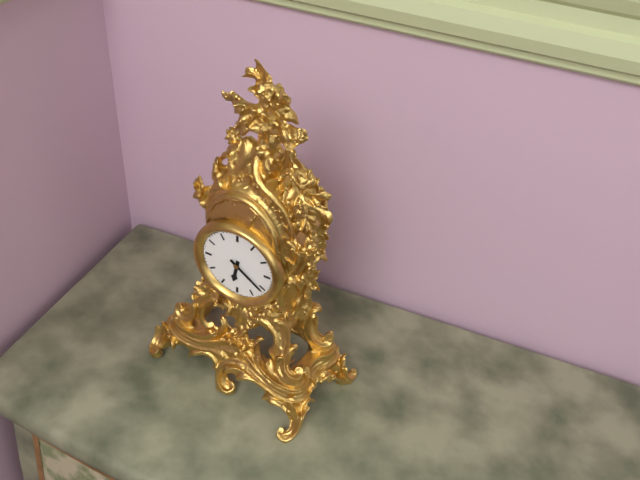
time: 6:21
